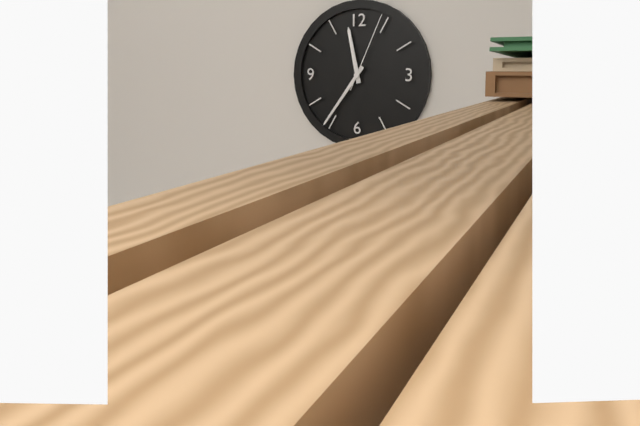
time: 11:36:04
